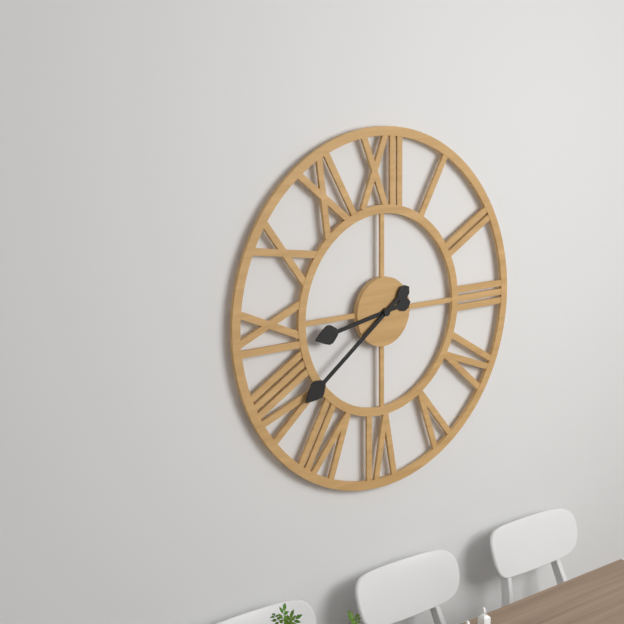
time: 8:39
